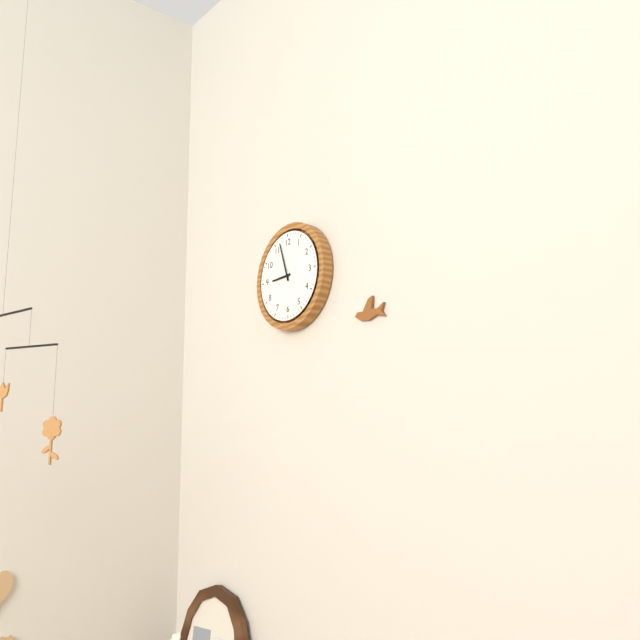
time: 8:57
